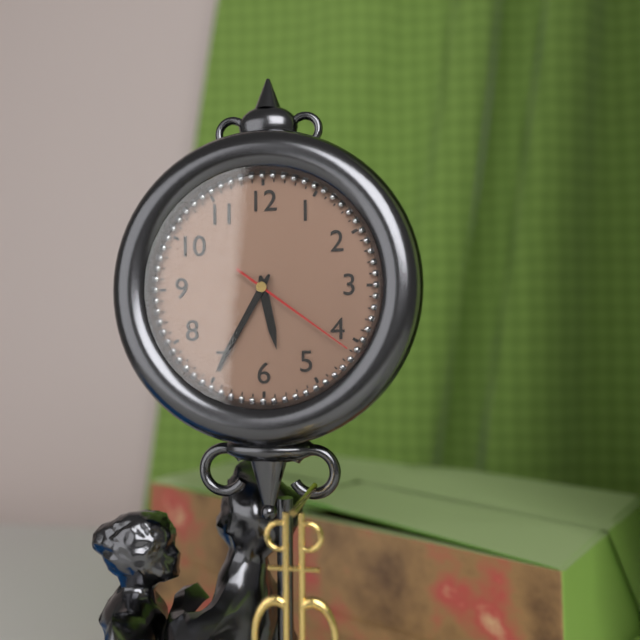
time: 5:35:21
